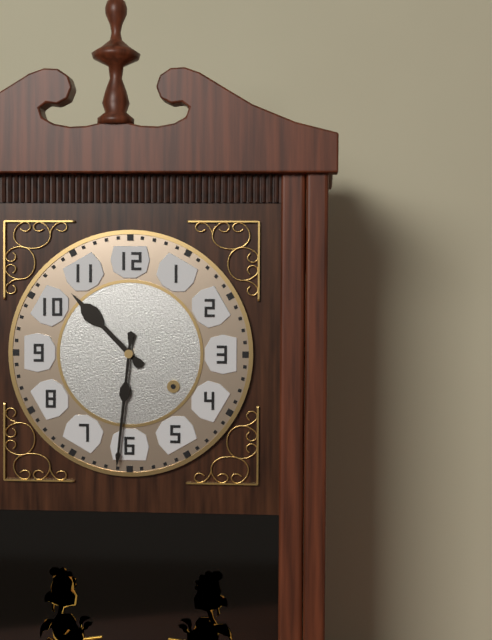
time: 10:31
